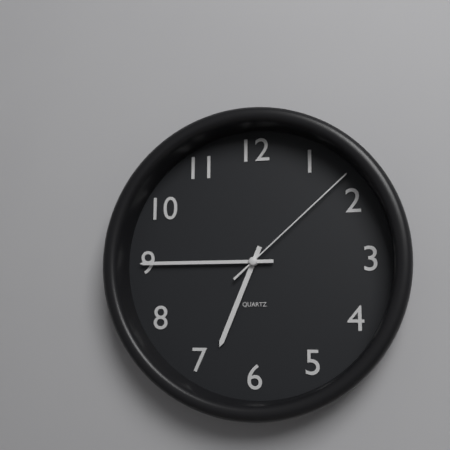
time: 6:45:08
